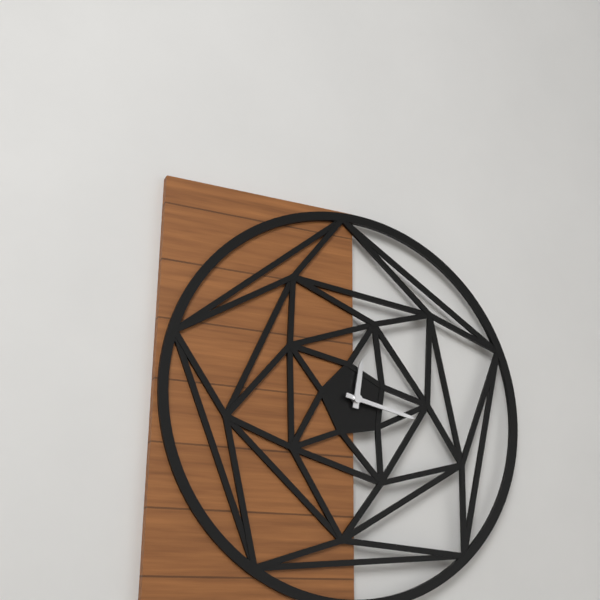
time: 12:17
